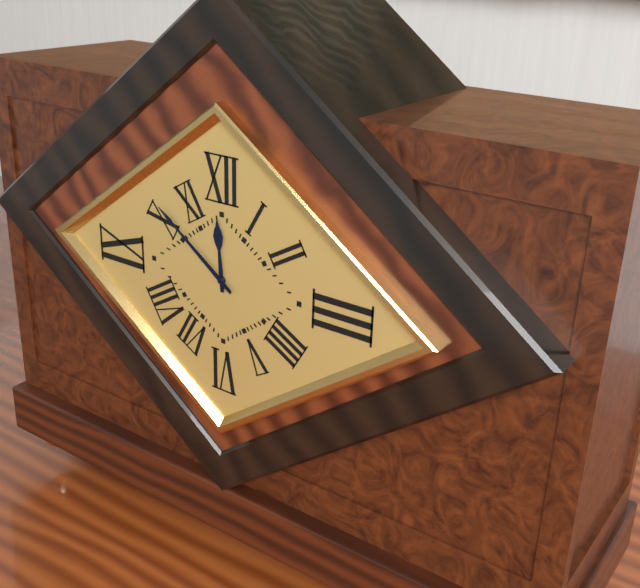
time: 11:51
